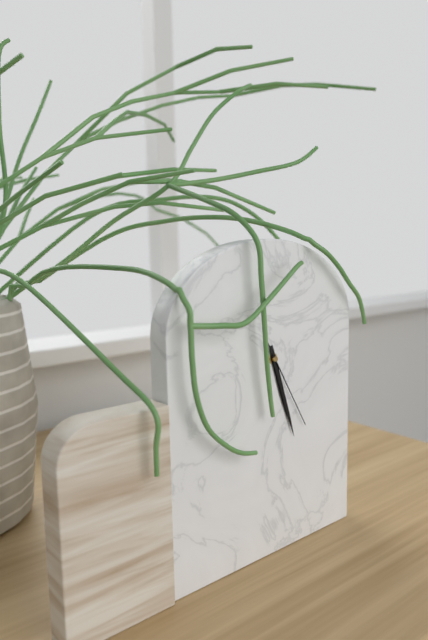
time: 5:27:25
